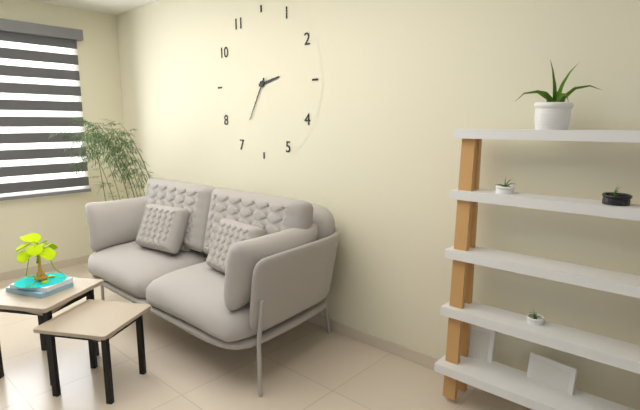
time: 2:35
